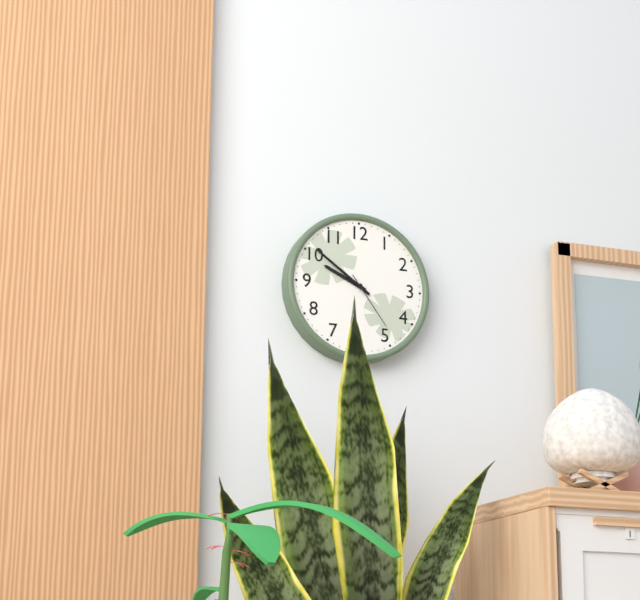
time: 9:51:24
